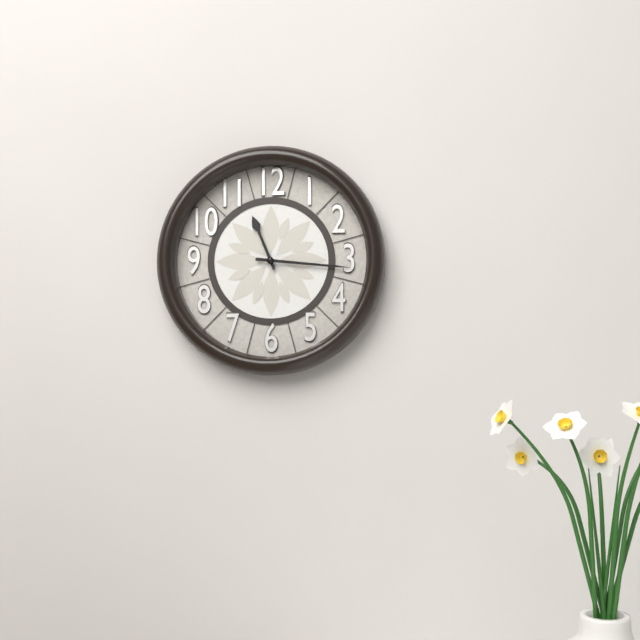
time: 11:16
